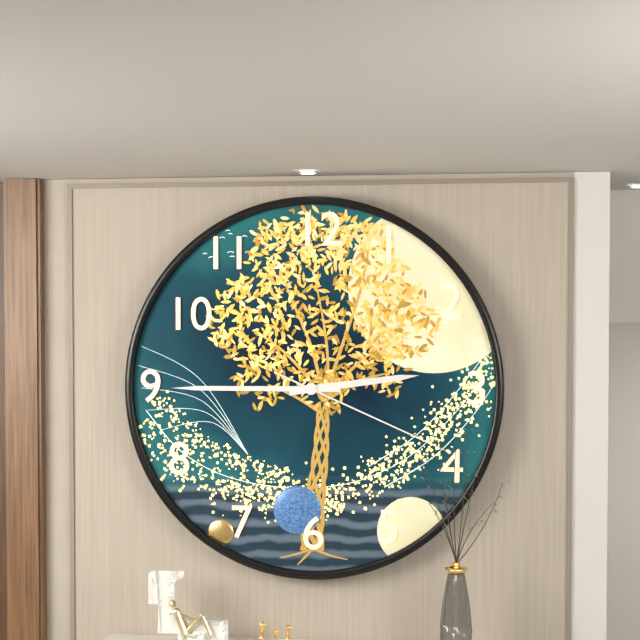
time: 2:45:19
